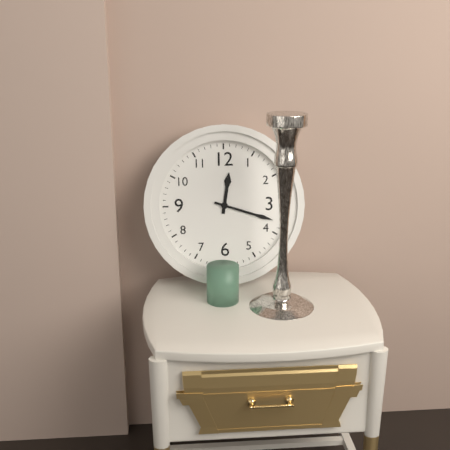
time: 12:18
